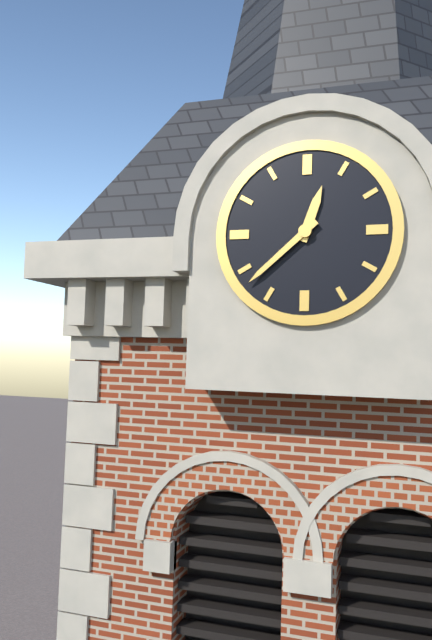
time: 12:38
